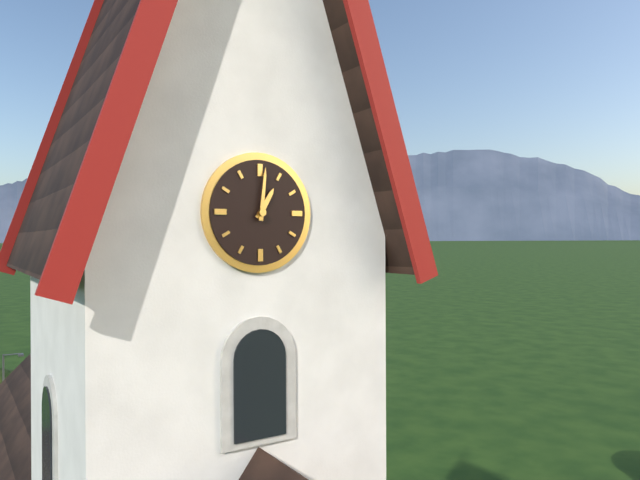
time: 1:01
